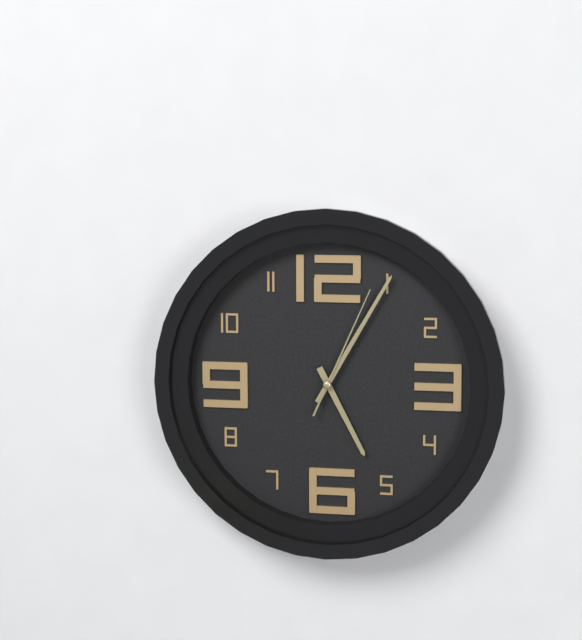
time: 5:05:04
